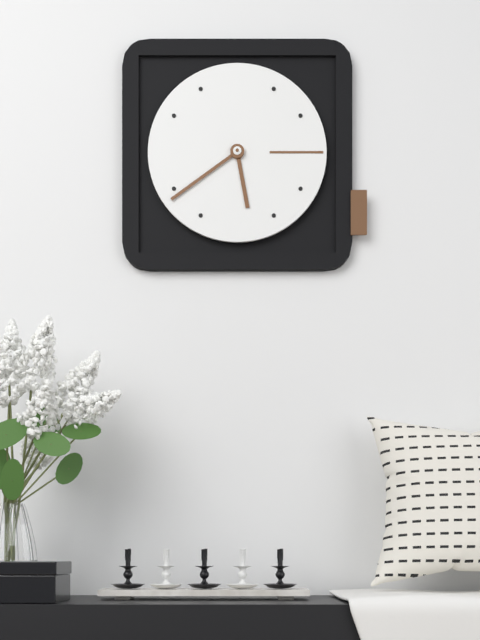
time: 5:39
